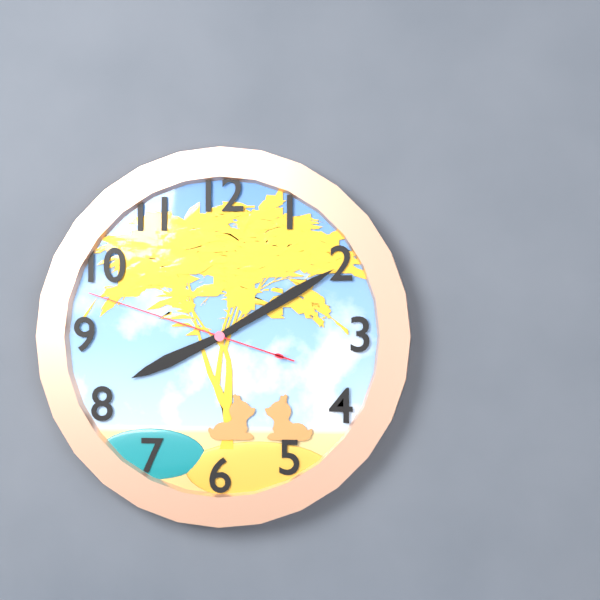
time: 8:10:48
